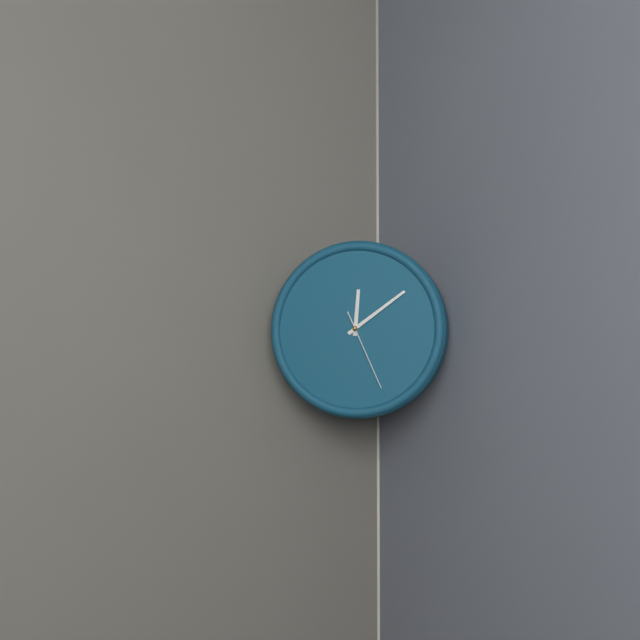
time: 12:09:26
